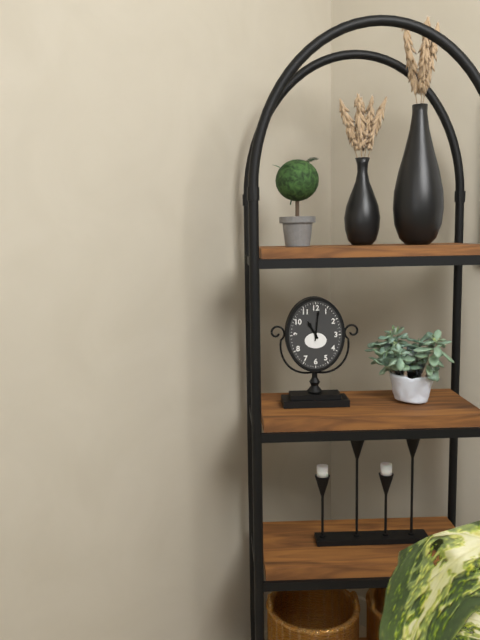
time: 11:01
